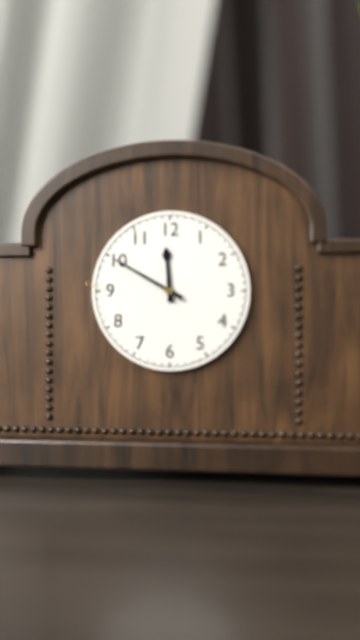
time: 11:50
